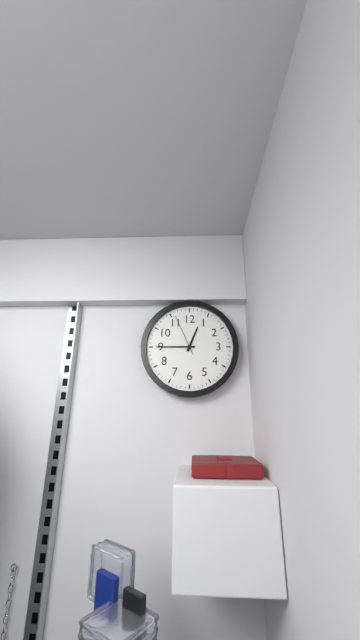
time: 12:45
